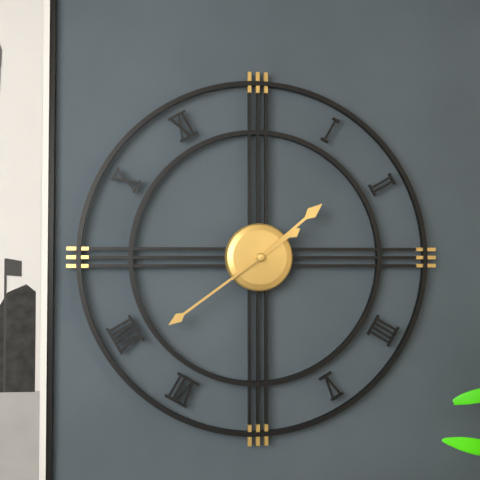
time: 1:39
